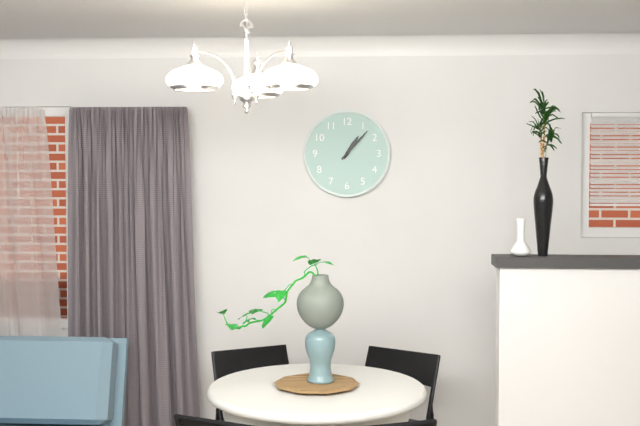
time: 1:07
